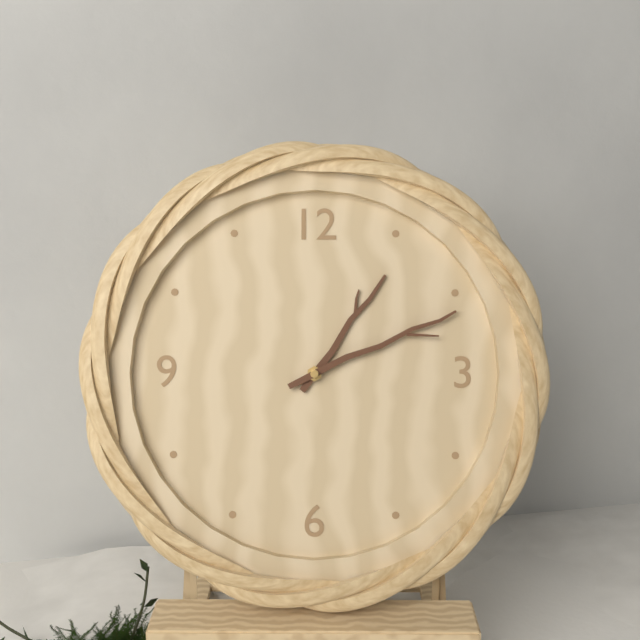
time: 1:11
